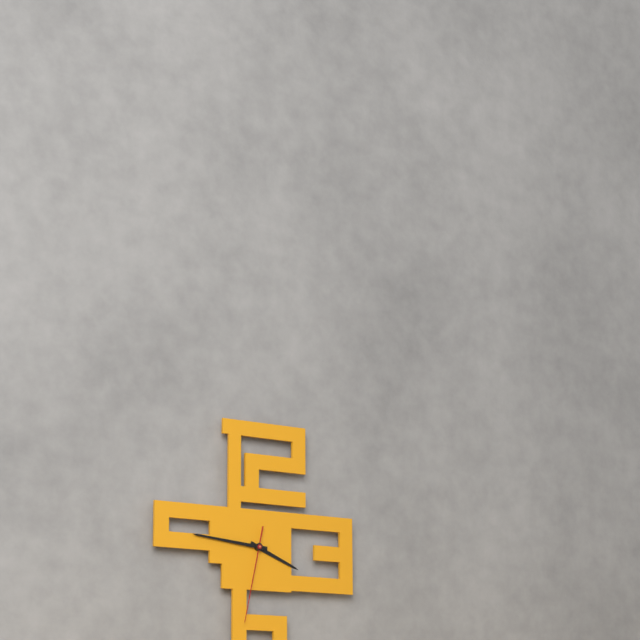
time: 3:46:32
